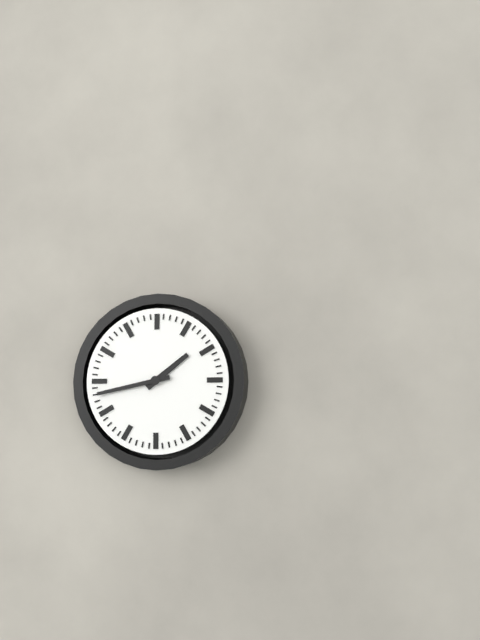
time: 1:43
